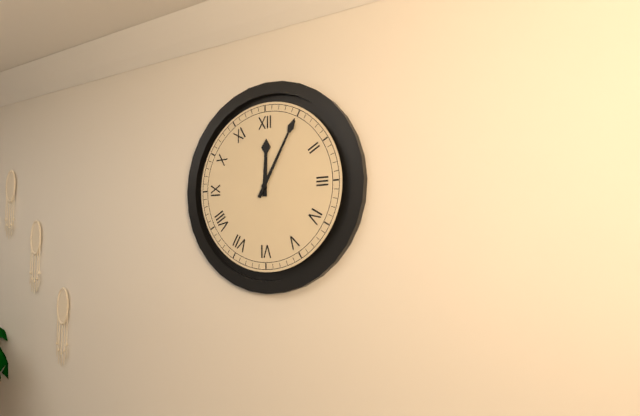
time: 12:05
